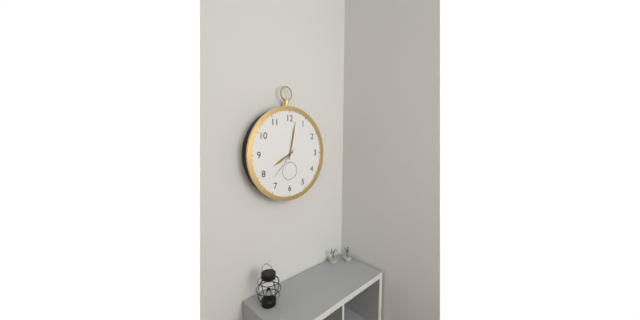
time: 8:02
